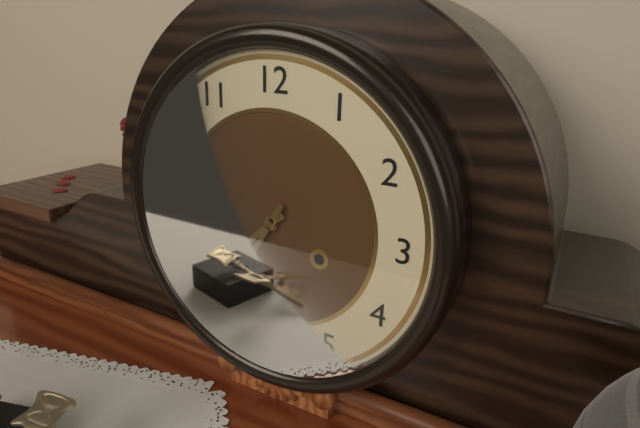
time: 7:35
